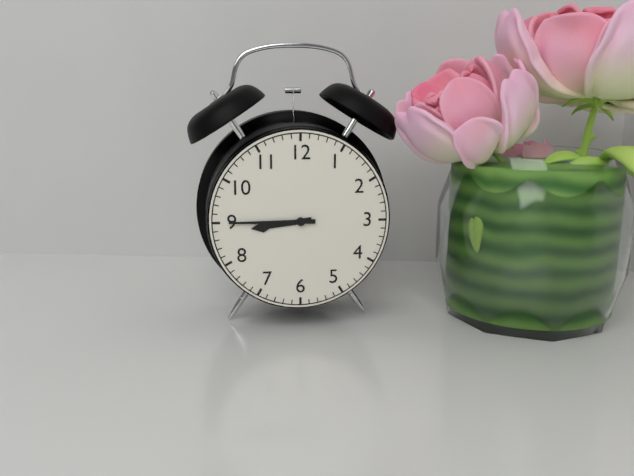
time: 8:45
